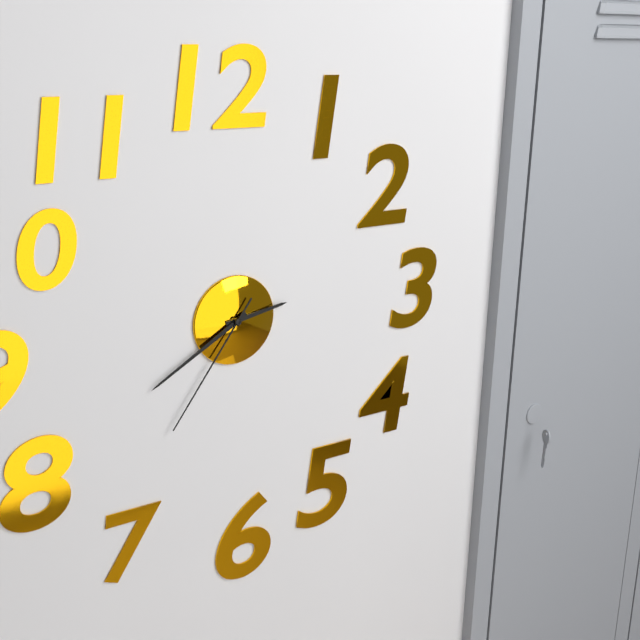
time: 2:40:36
